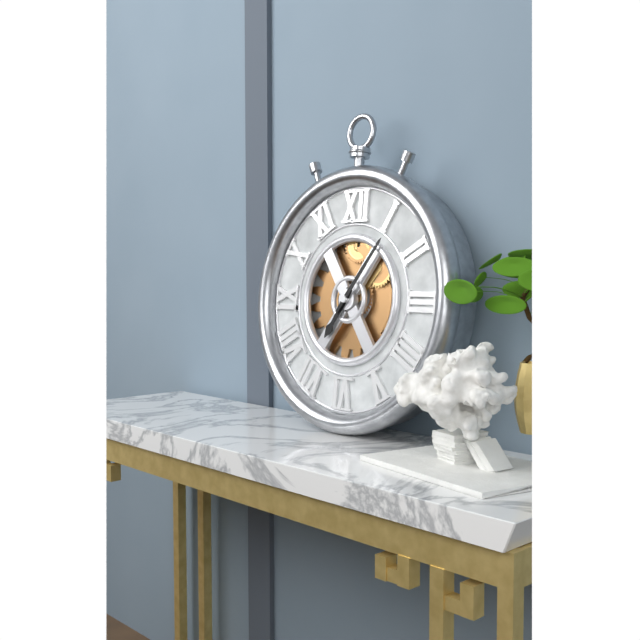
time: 7:06
